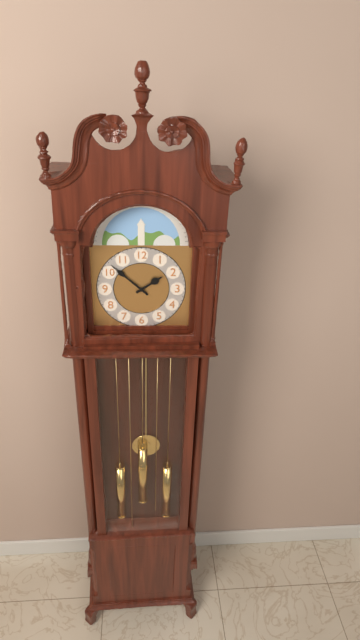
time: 1:52
